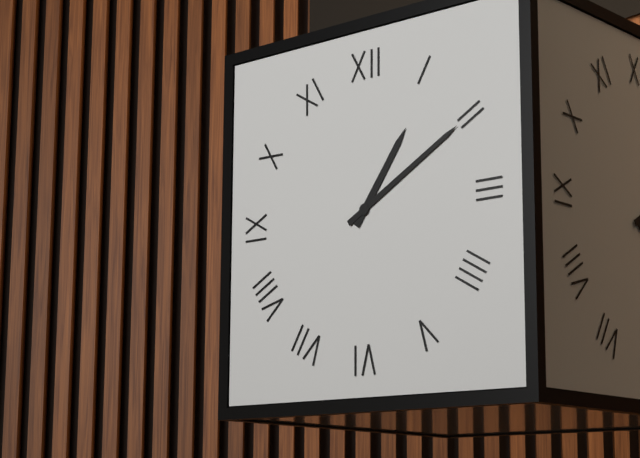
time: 1:10
